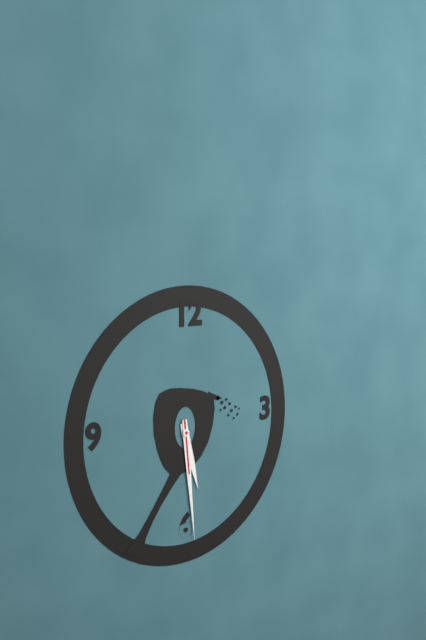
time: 5:29:29
